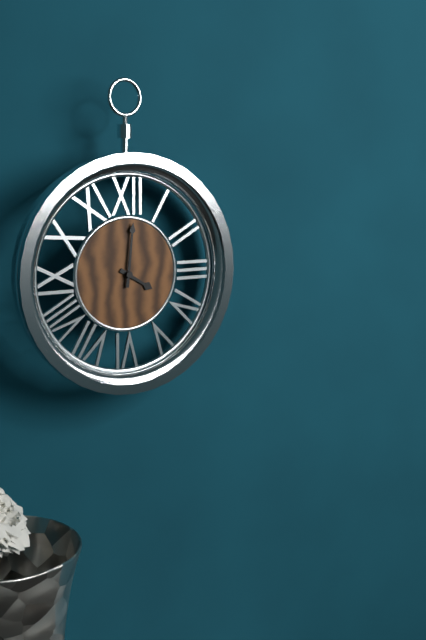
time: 4:01
